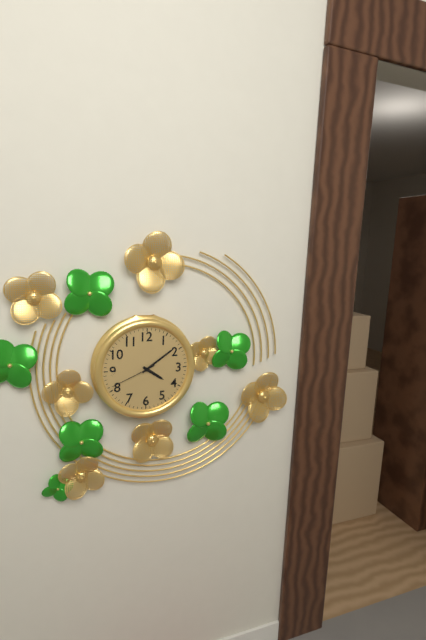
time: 4:09
